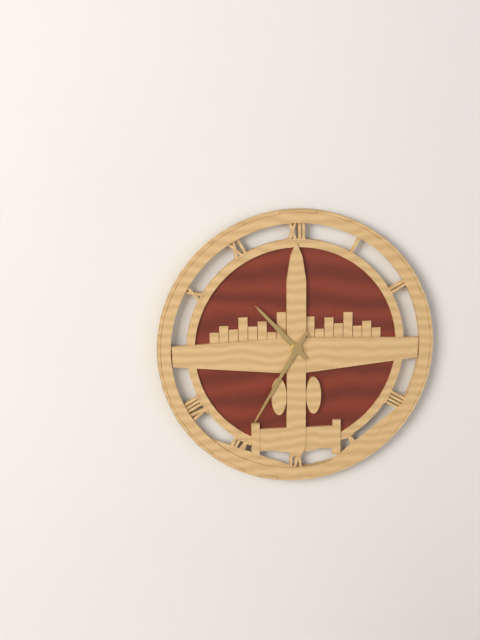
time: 10:35
